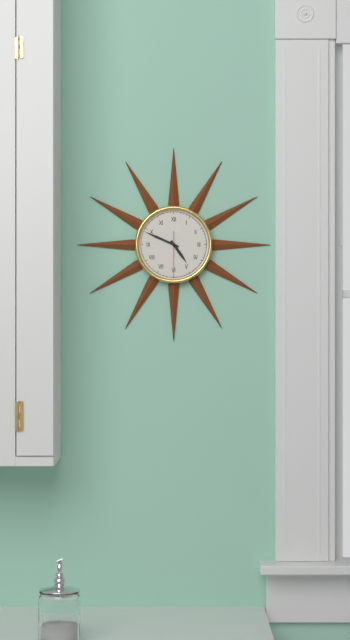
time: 4:49
